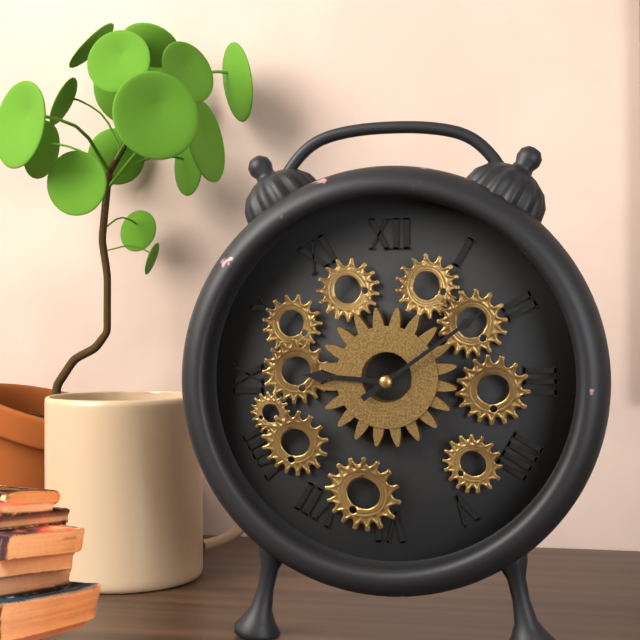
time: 9:09
